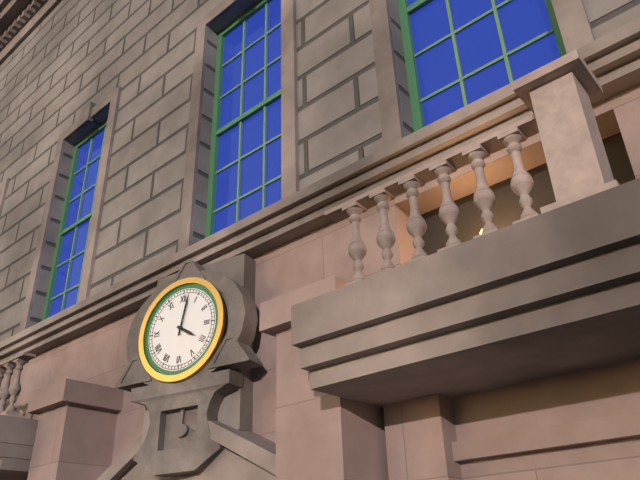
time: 4:02
